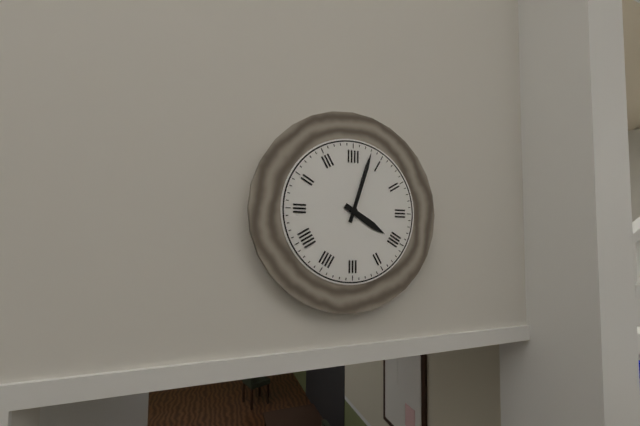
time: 4:03
